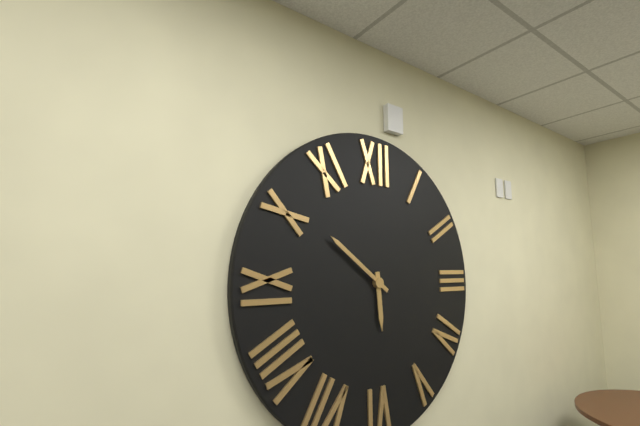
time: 5:51
